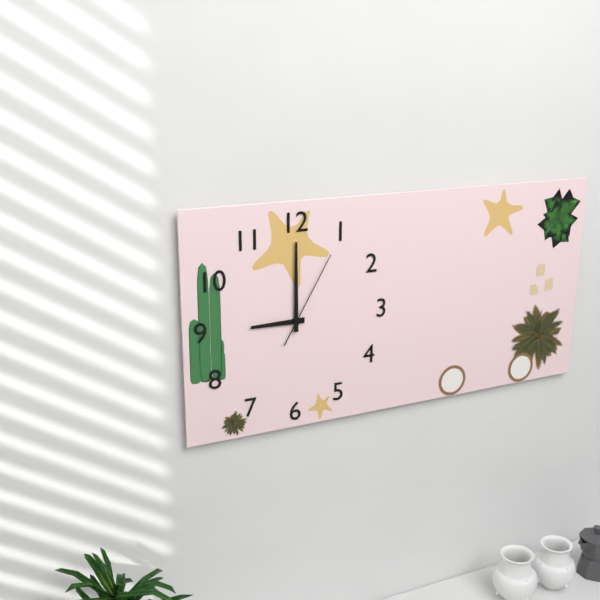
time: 9:00:05
